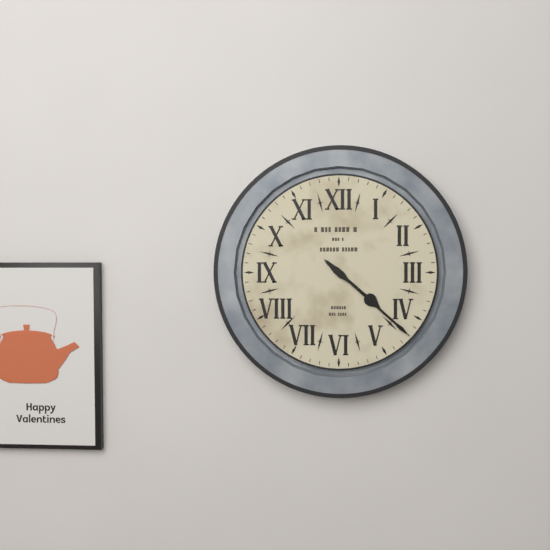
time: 4:22
